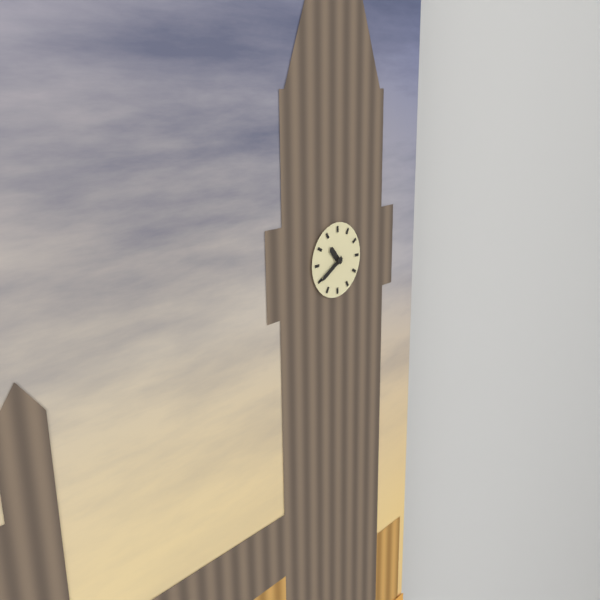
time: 10:40
